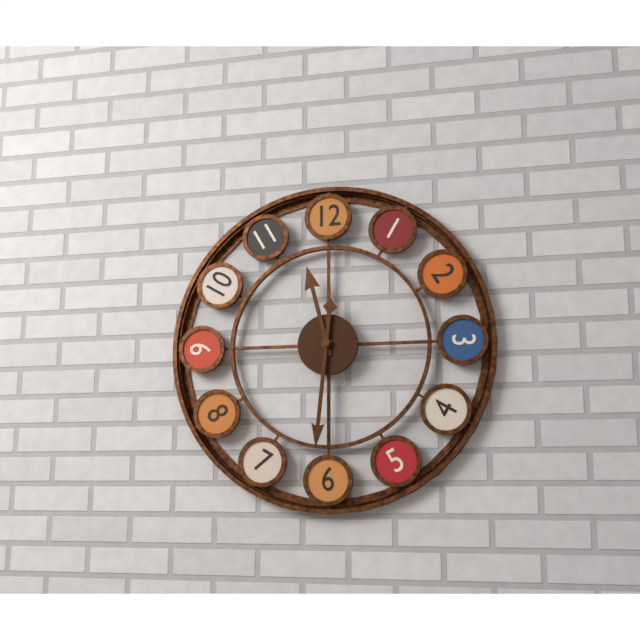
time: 11:31
